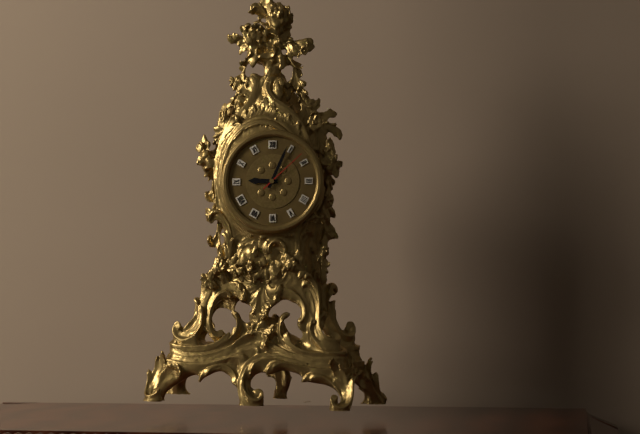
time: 9:04:08
